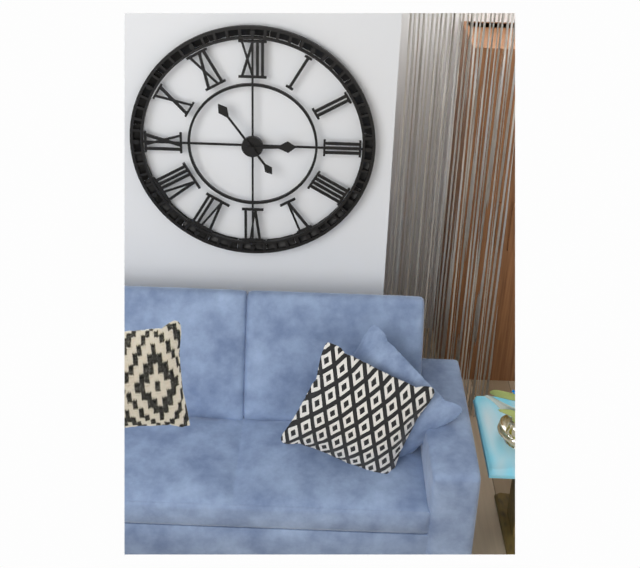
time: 2:54
